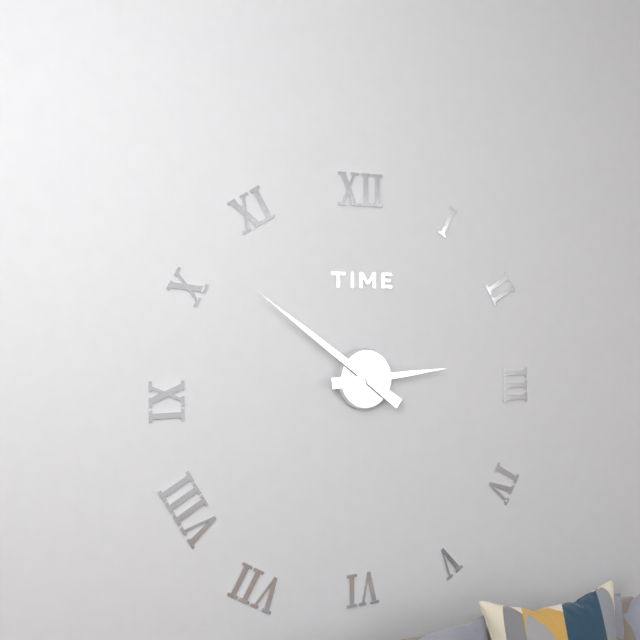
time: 2:51
